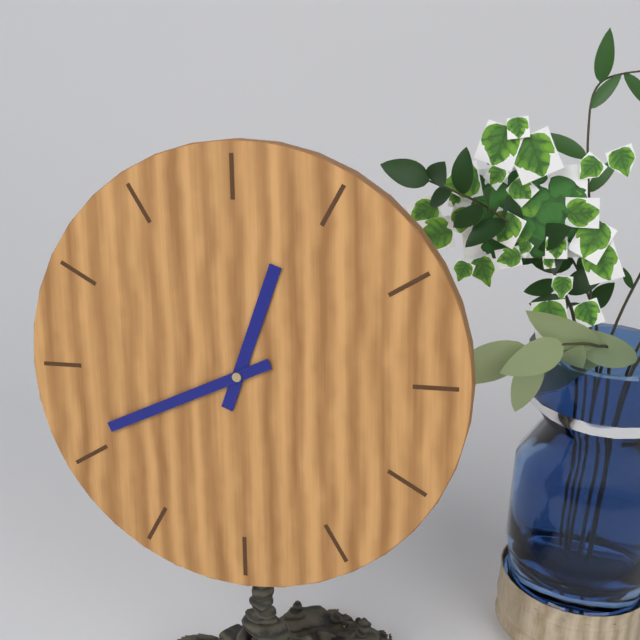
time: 12:41
